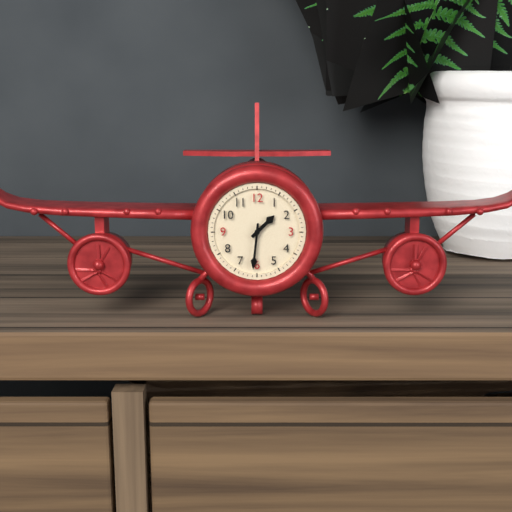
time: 1:31
